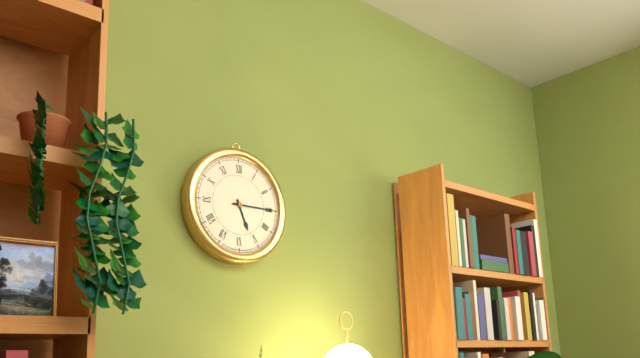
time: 5:15
